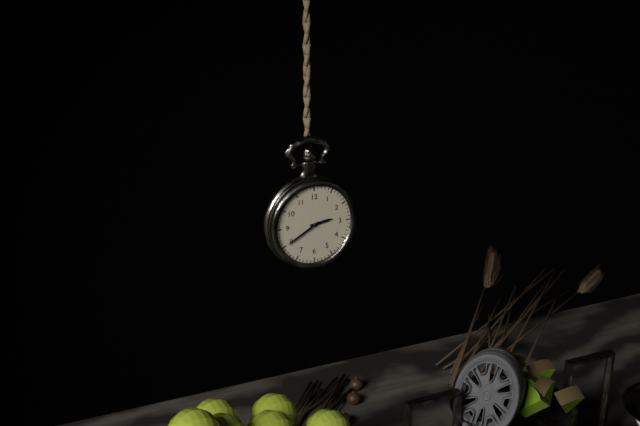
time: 2:40
